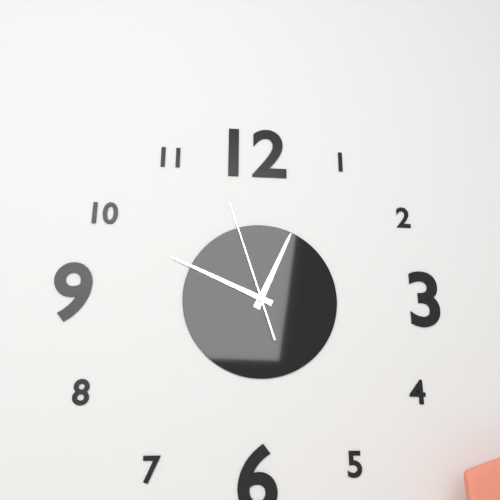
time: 12:49:57
